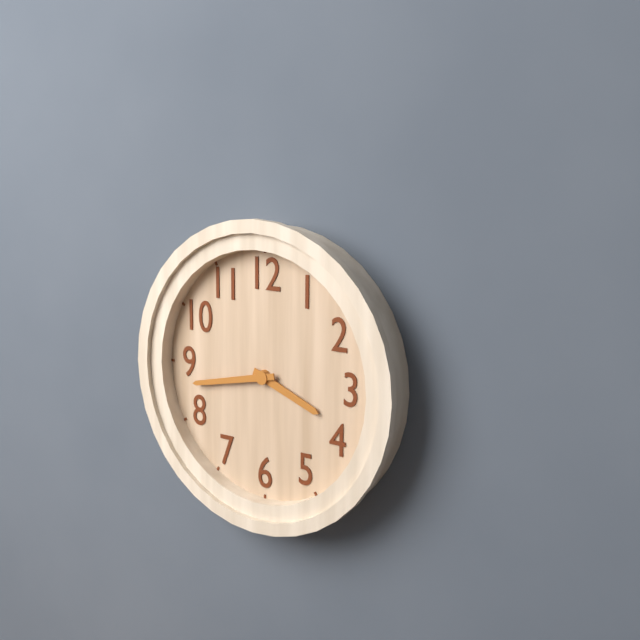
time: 3:43
